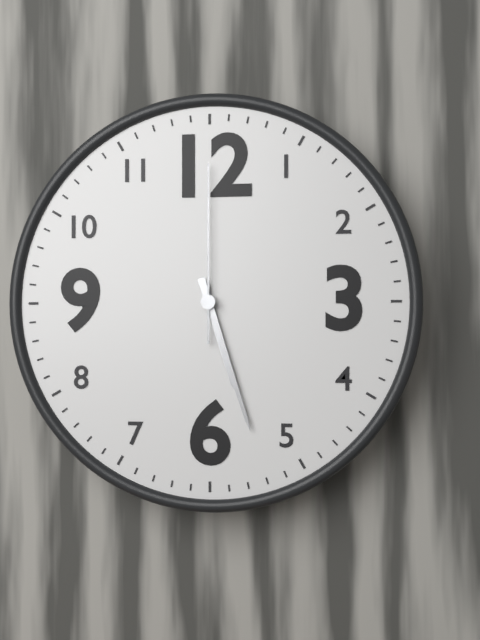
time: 5:27:00
